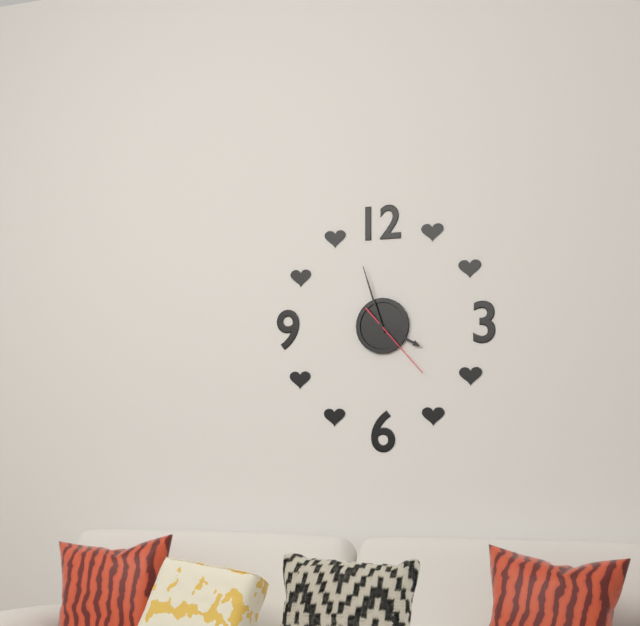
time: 3:57:23
